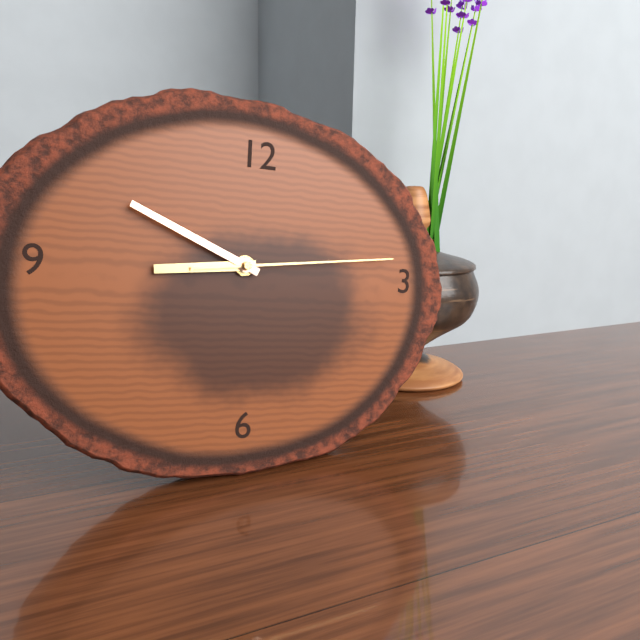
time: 8:49:14
